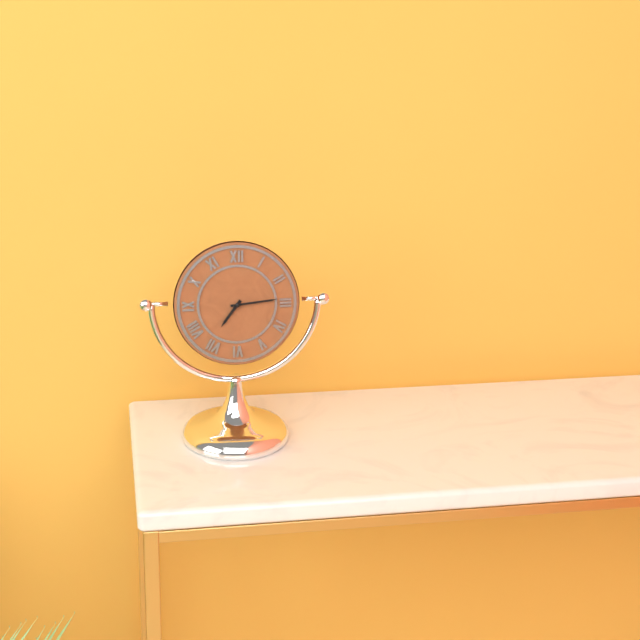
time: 7:14
